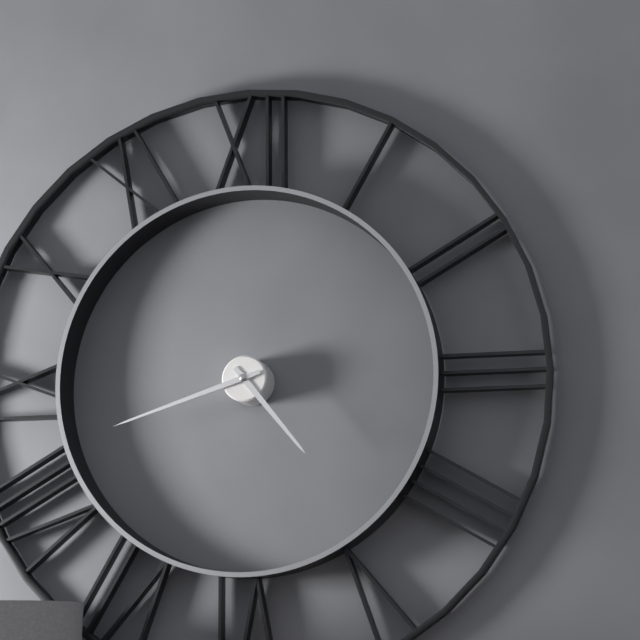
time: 4:42
